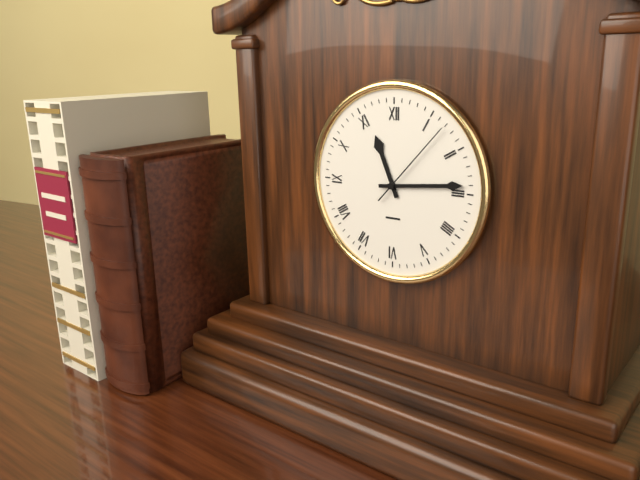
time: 11:14:07
